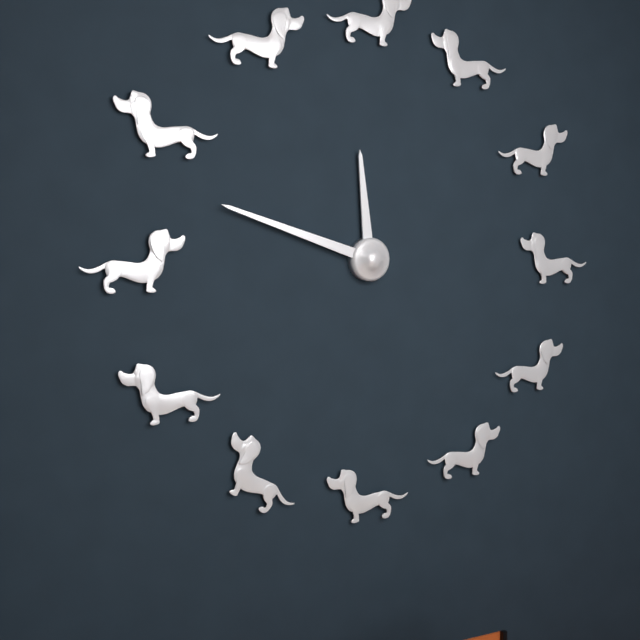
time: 11:48
